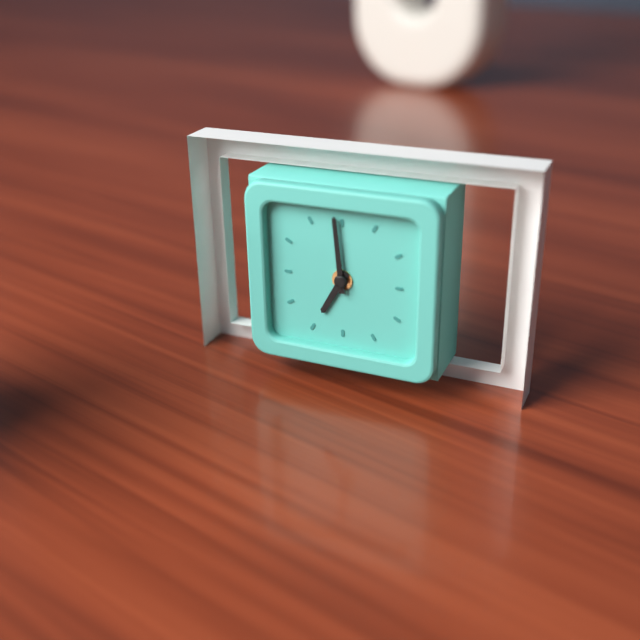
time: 6:59
